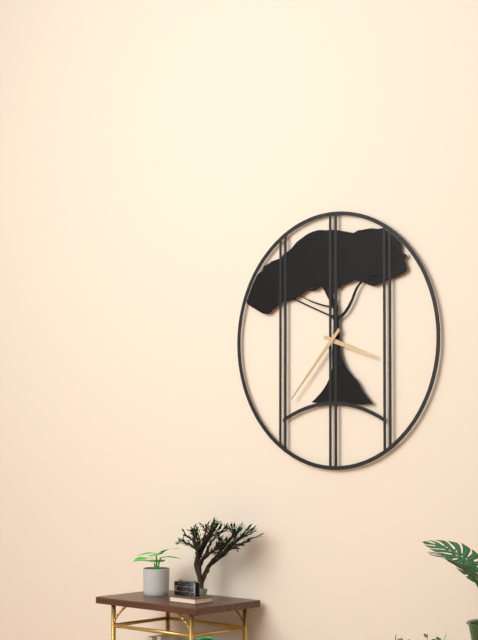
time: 3:37
